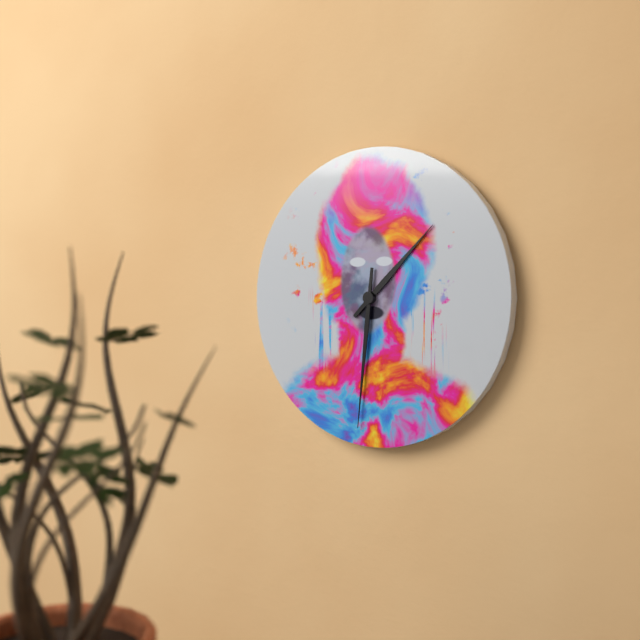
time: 1:31
